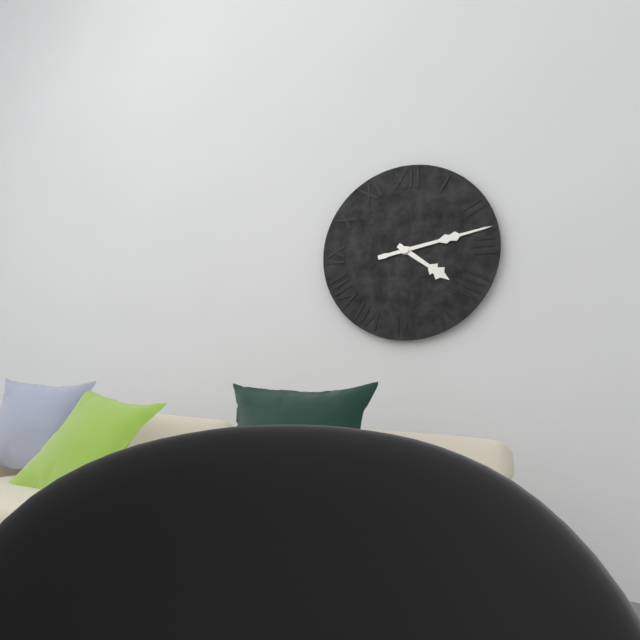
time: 4:13
